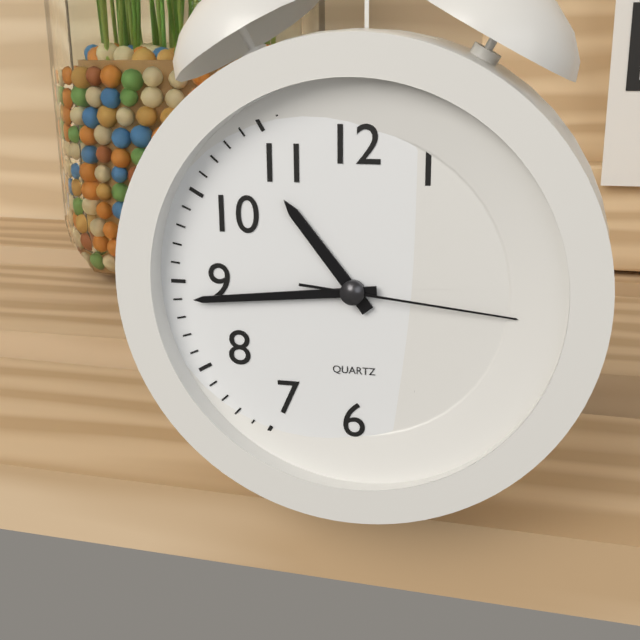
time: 10:44:16
